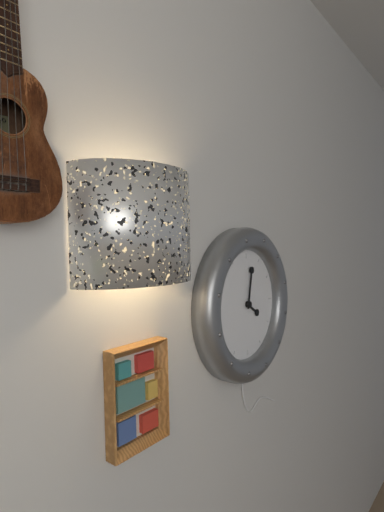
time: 4:02
